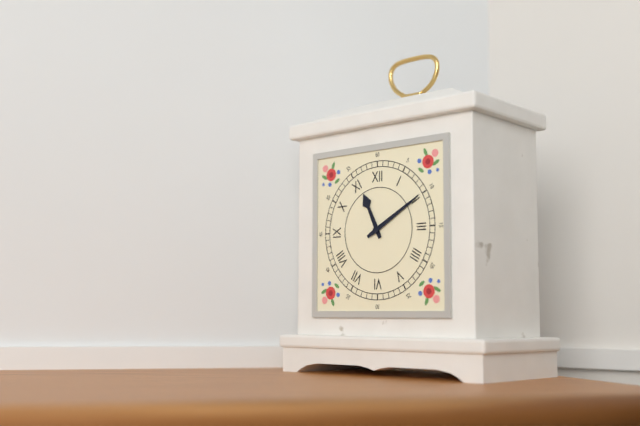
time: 11:10
